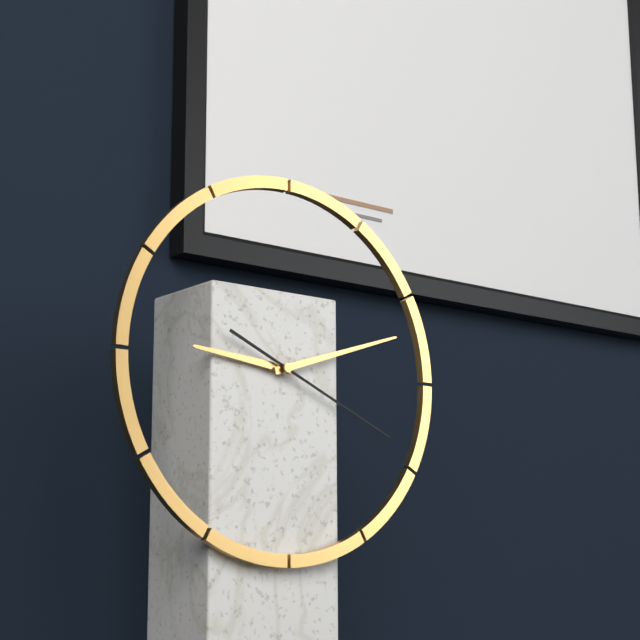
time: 9:12:19
